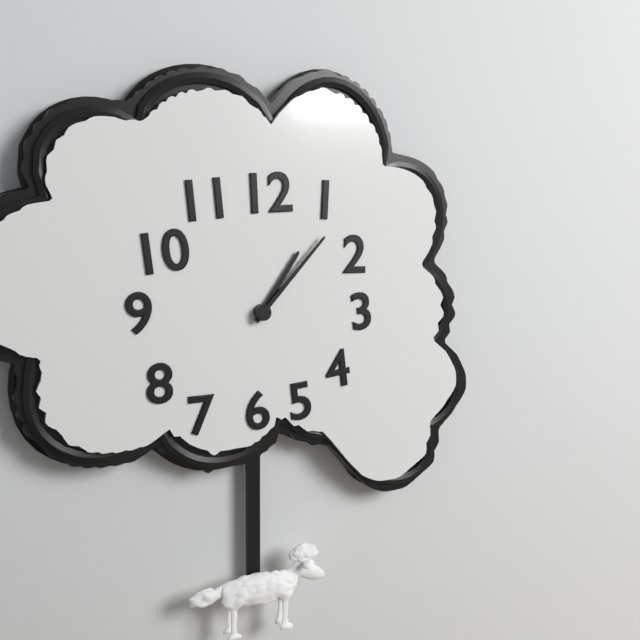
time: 1:07
